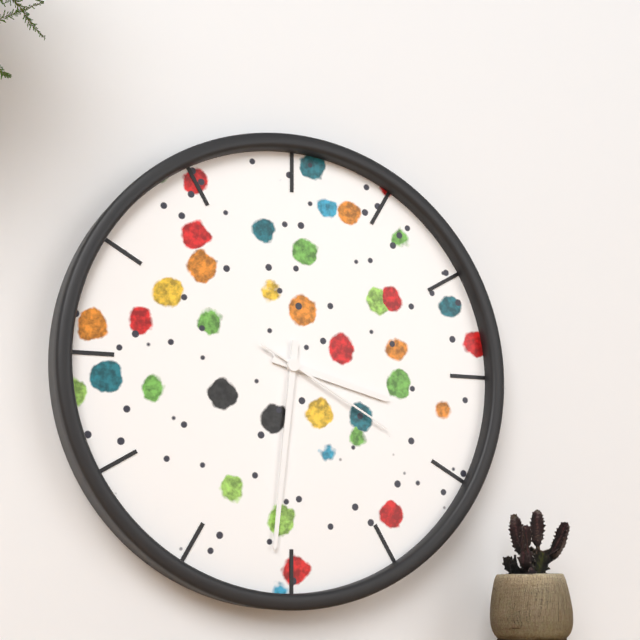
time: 3:31:20
